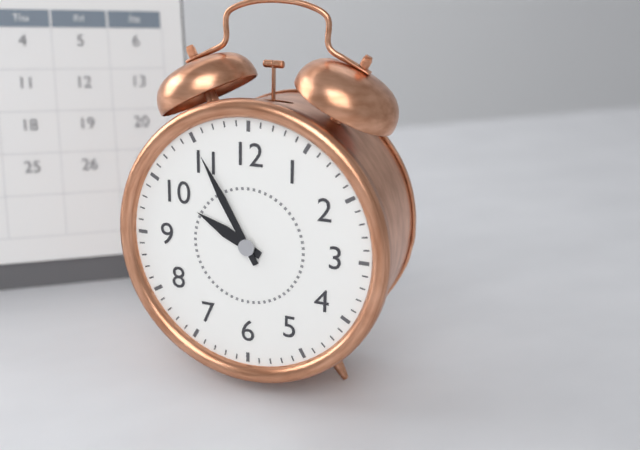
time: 9:55
